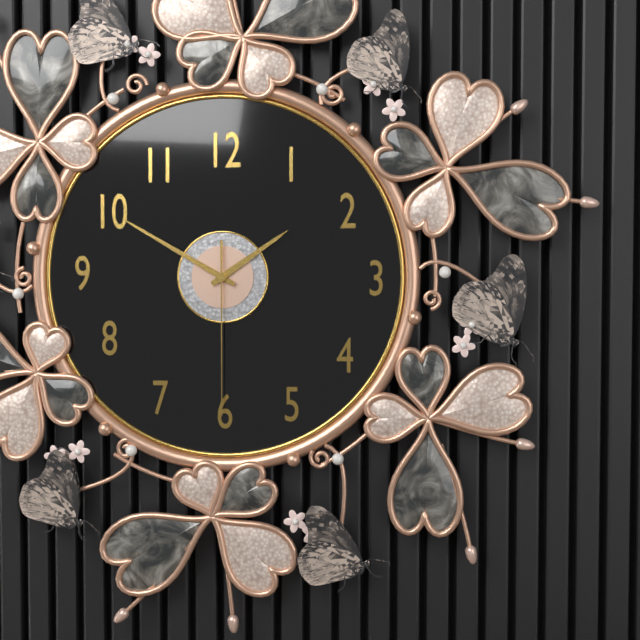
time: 1:50:30
